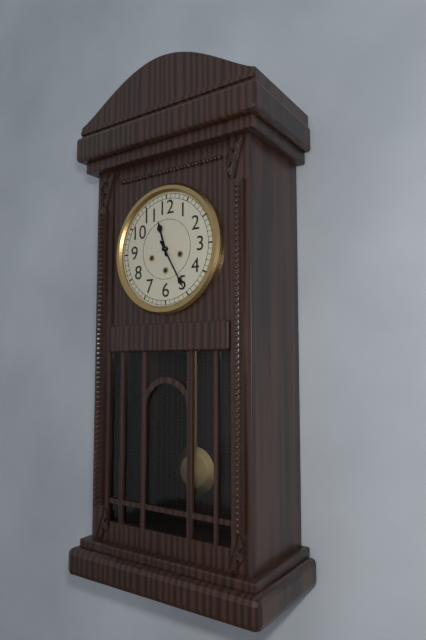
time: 11:25
